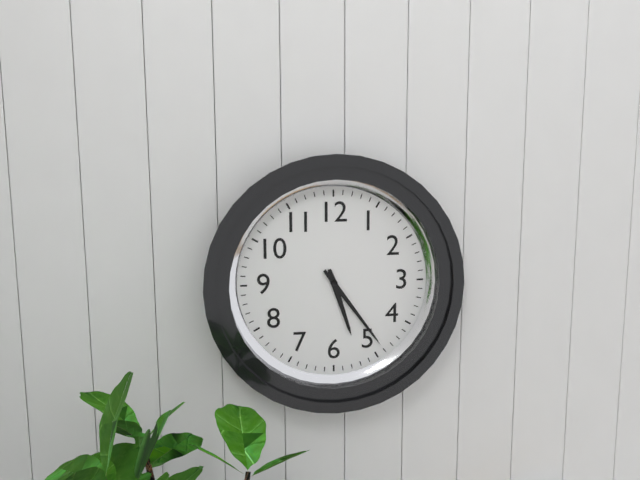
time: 5:24
